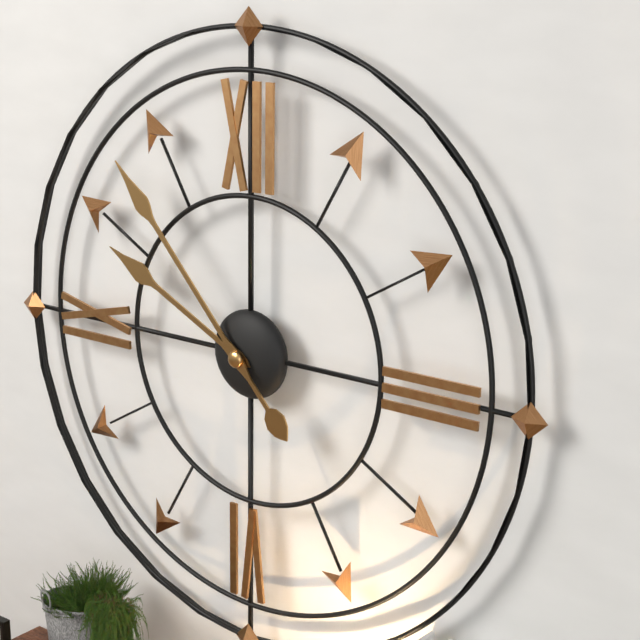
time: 9:53
